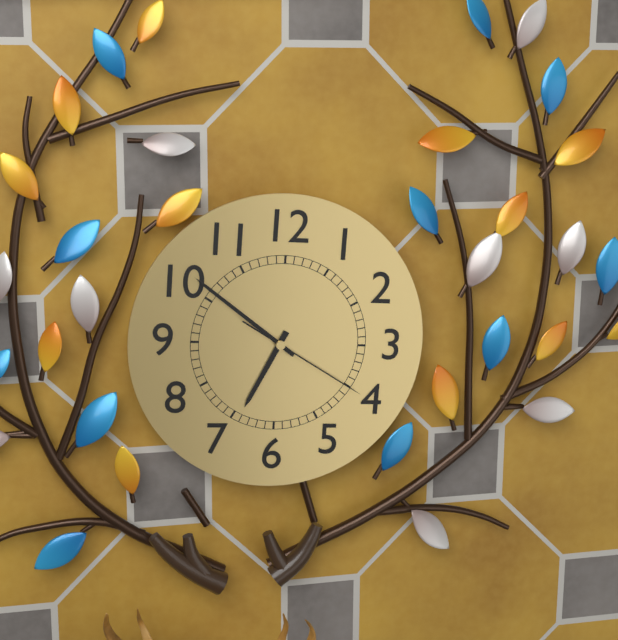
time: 6:51:20
